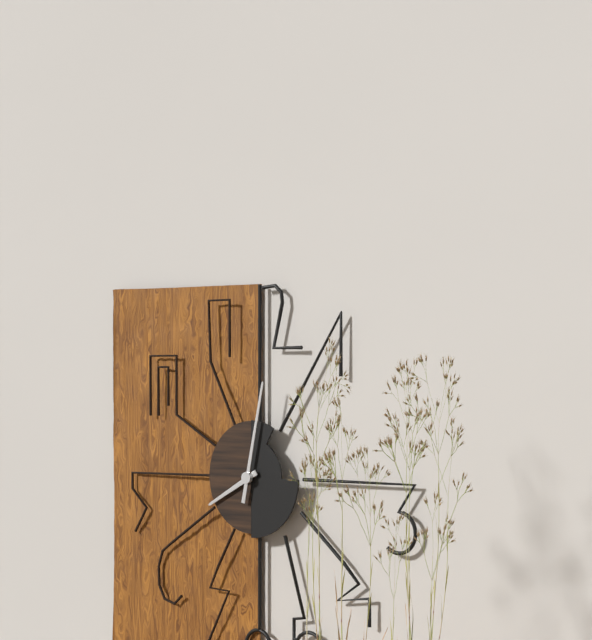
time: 8:02
